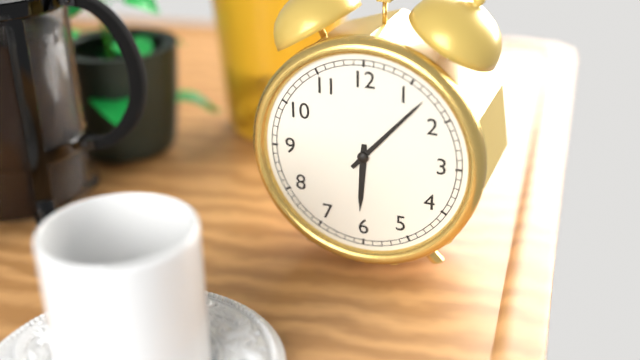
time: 6:07
